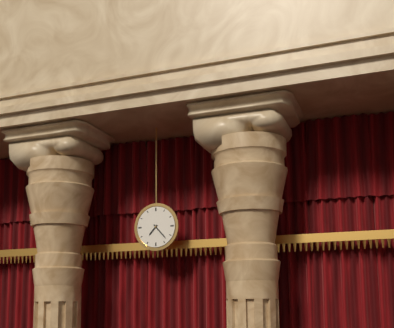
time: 7:23
